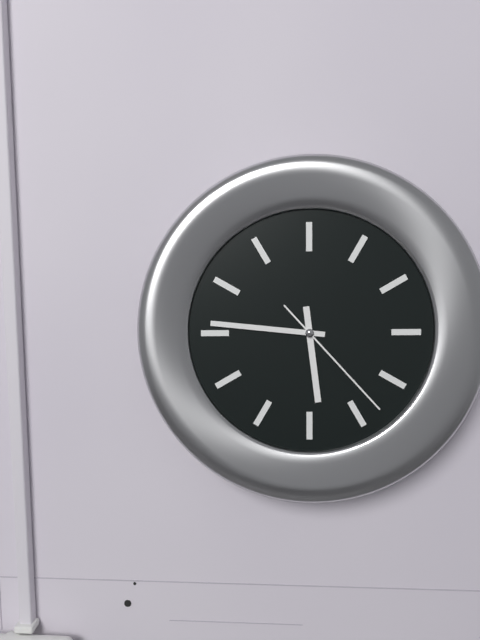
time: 5:46:23
